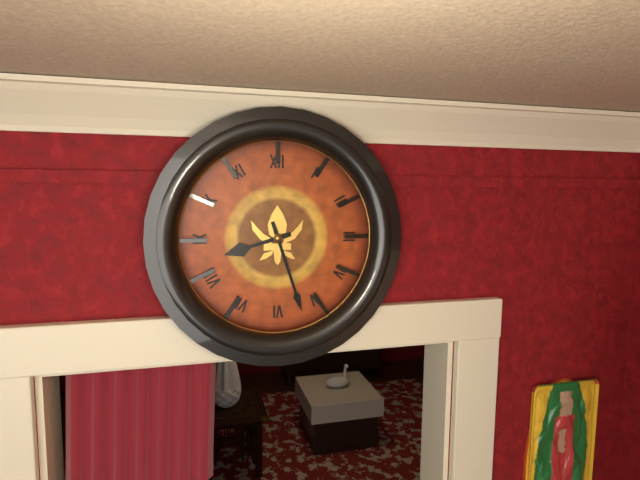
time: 8:27
